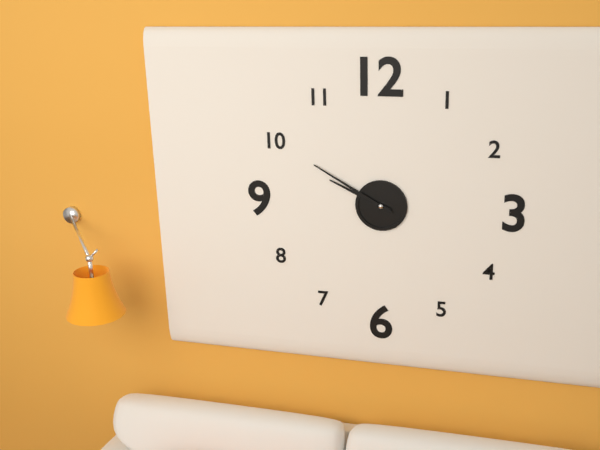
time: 9:50
